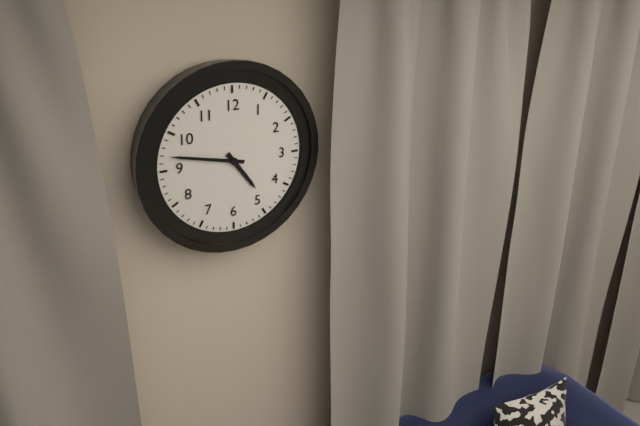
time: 4:47
